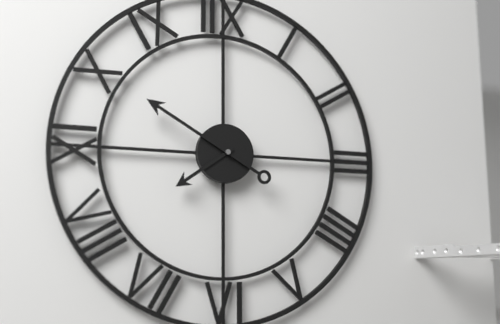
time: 7:50
